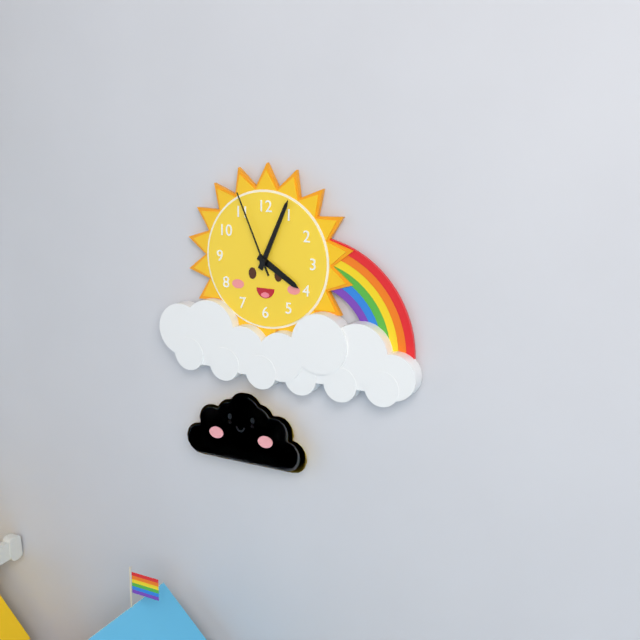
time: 4:04:56
